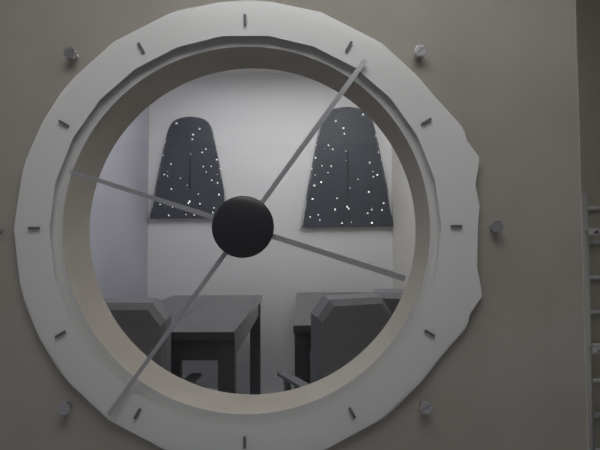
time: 9:36
